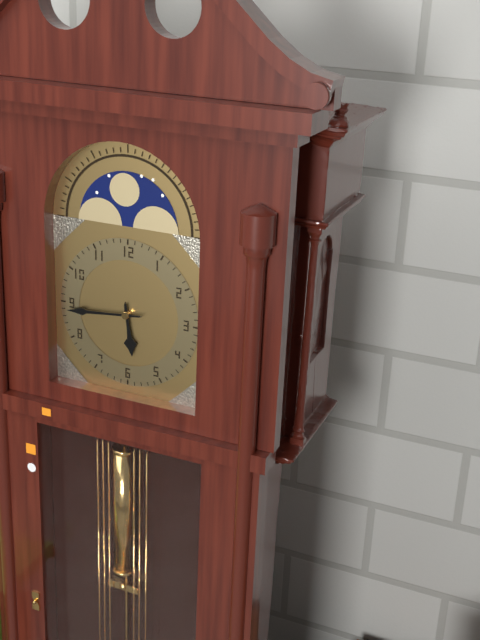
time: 5:44
